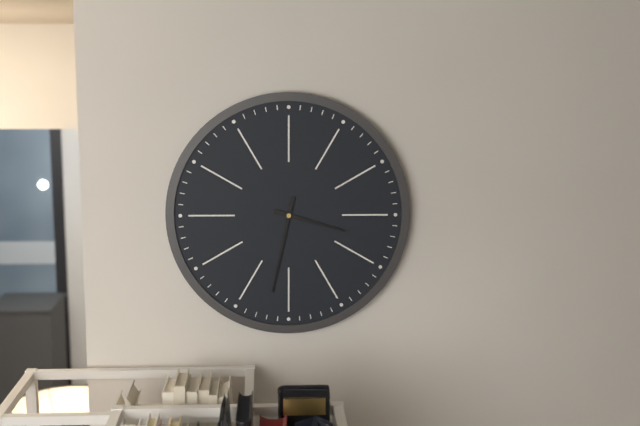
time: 3:32
